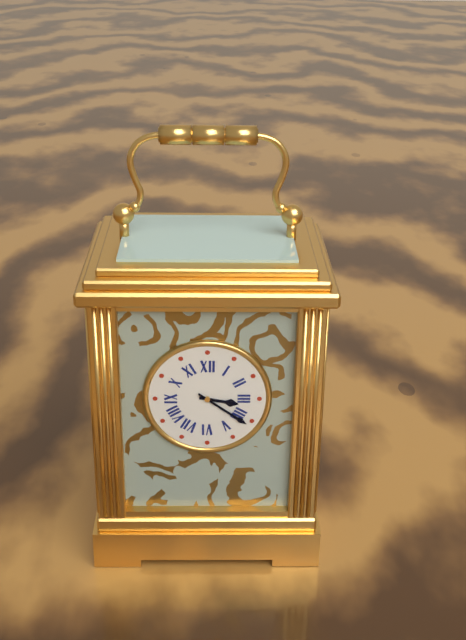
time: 3:21
